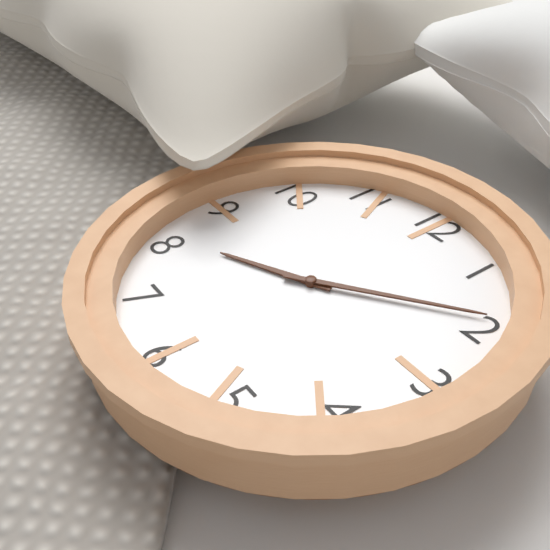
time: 8:09
